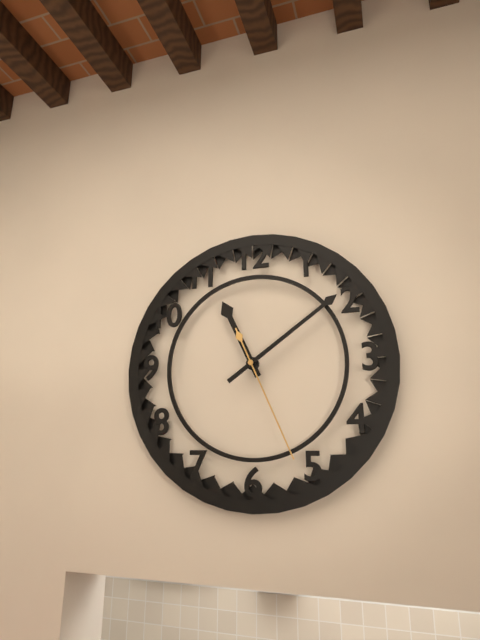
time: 11:09:26
